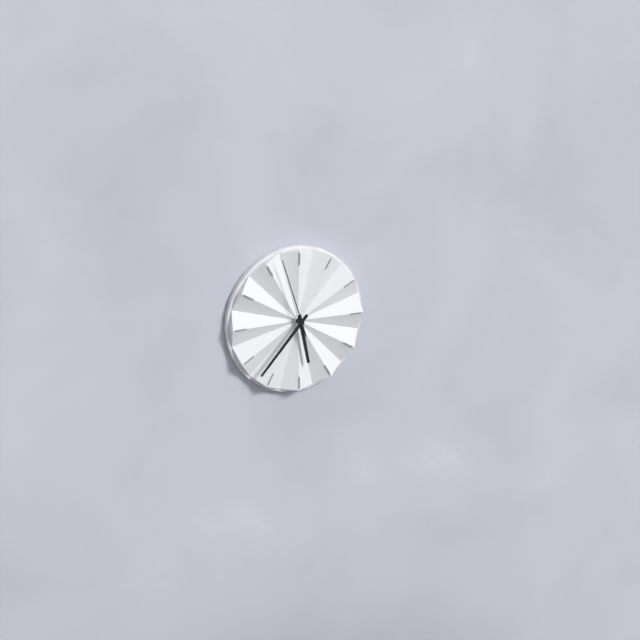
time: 5:37:57
